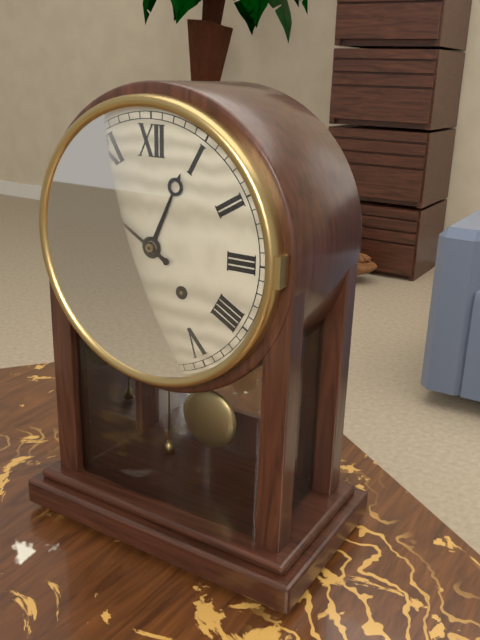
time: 12:50
